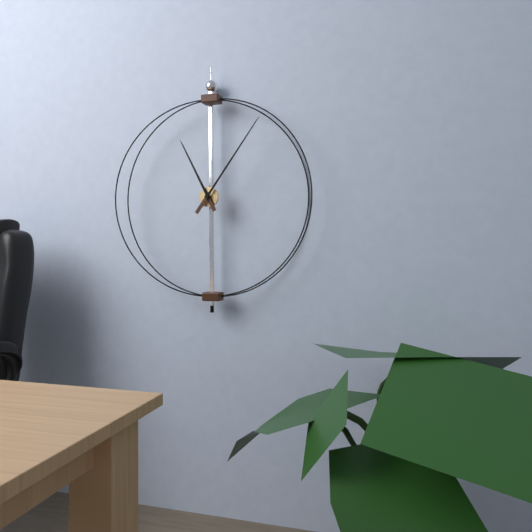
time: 11:06
